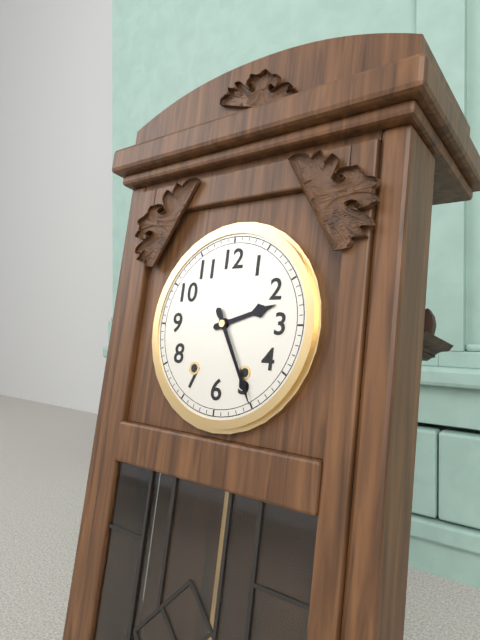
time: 2:25
